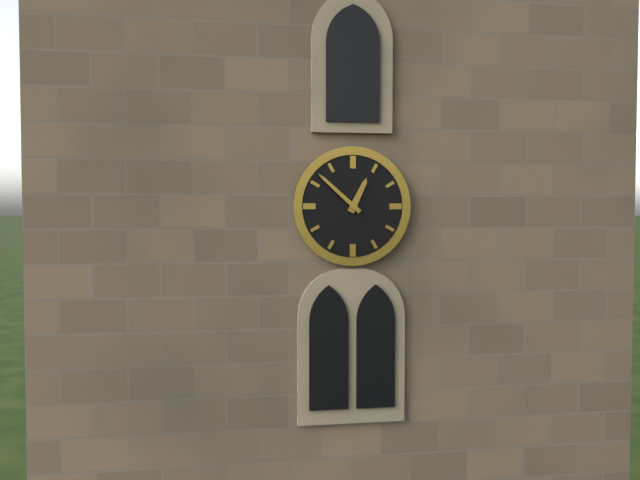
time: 12:52
